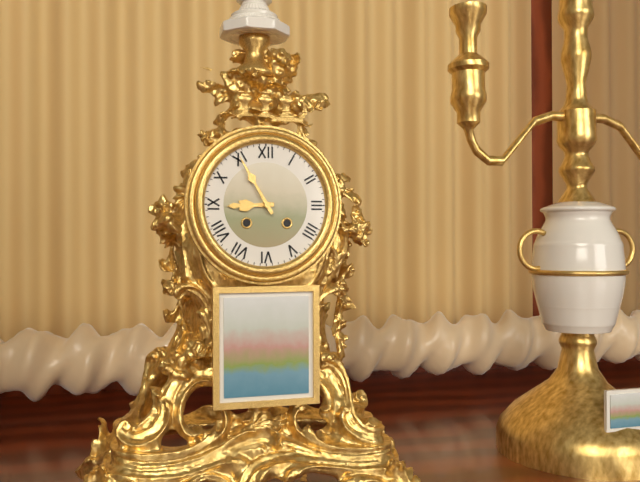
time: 8:55
